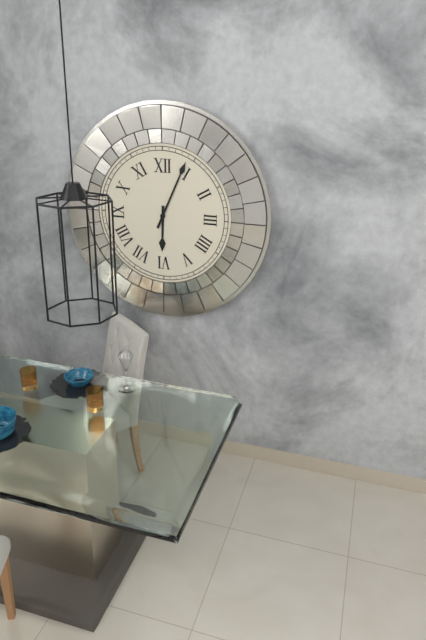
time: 6:04
